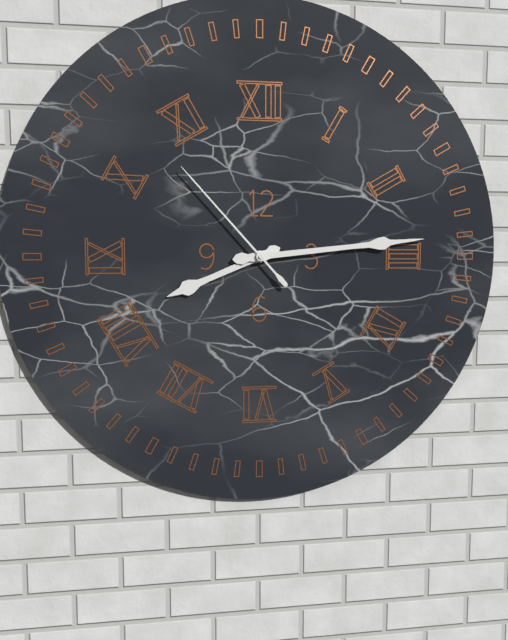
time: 8:14:53
